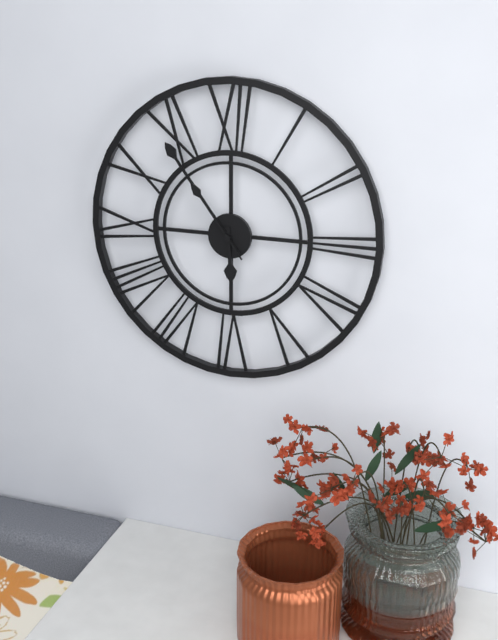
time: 5:54:54
